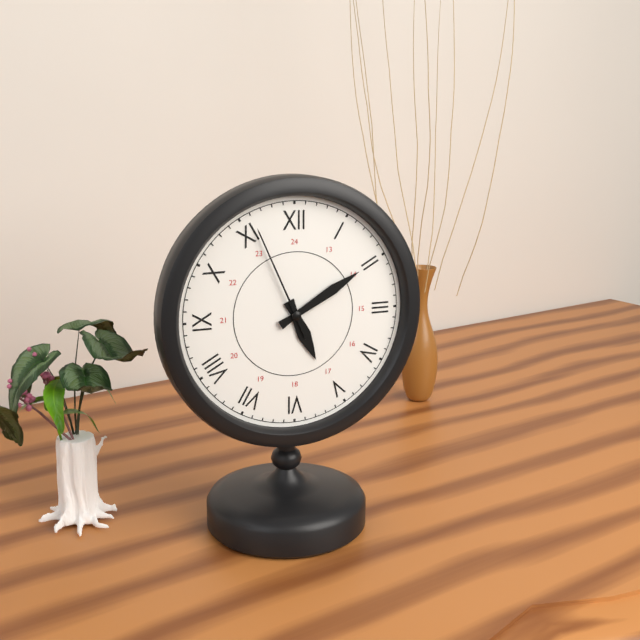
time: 5:10:56
